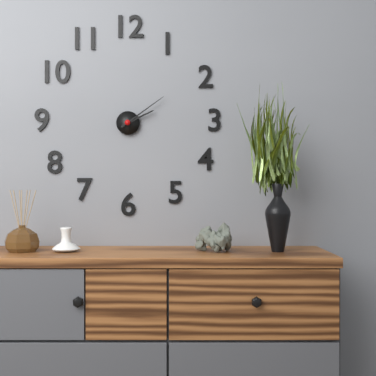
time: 2:09
